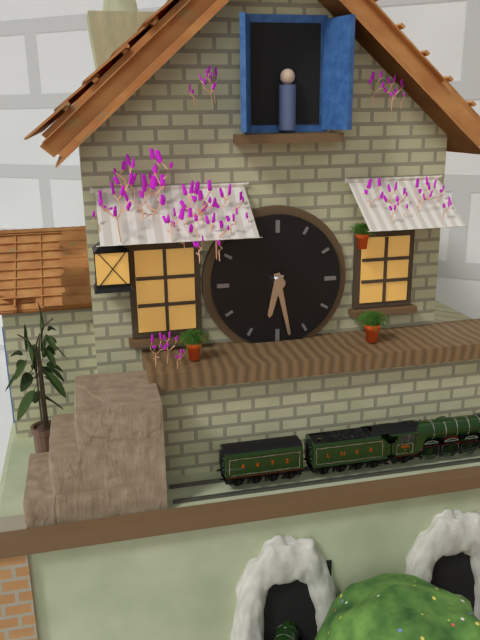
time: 6:28
